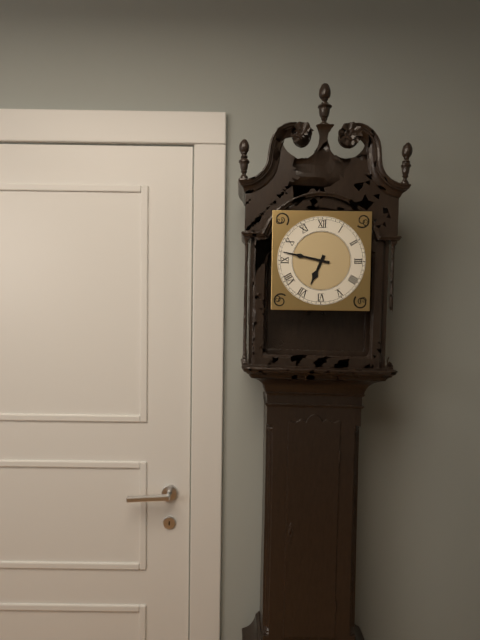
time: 6:47
